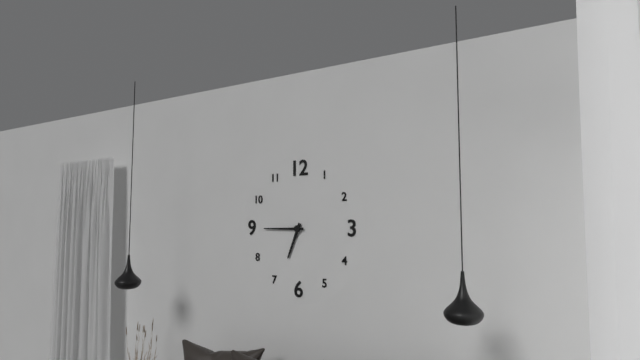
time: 6:45
